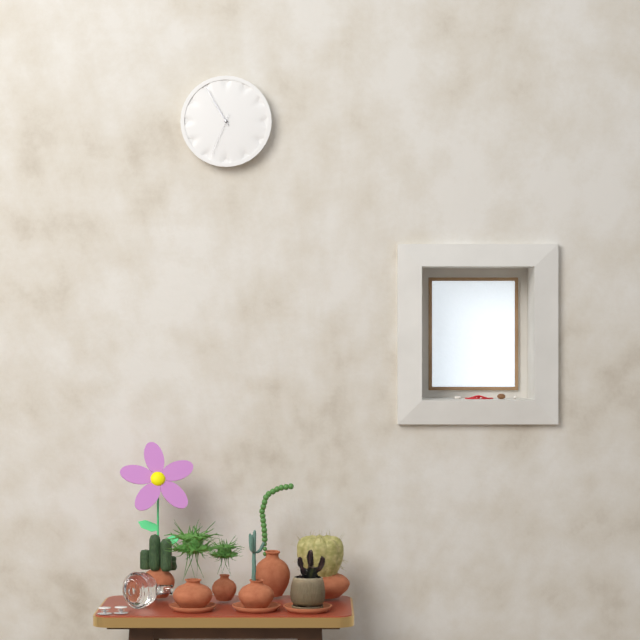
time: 10:55
